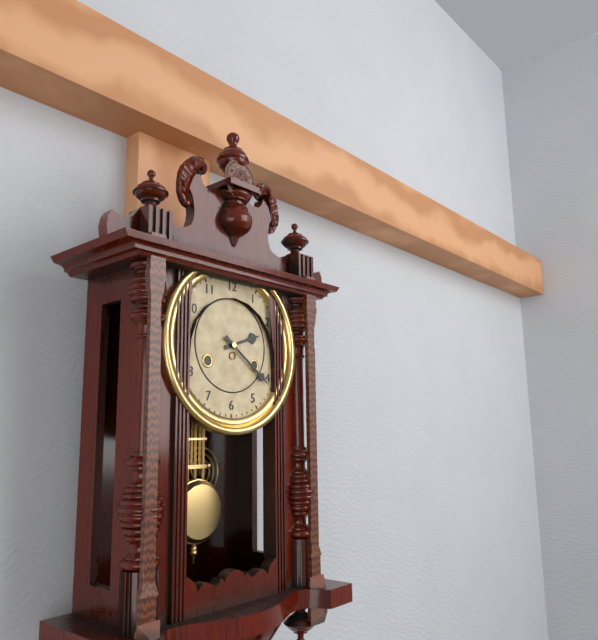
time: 2:21
